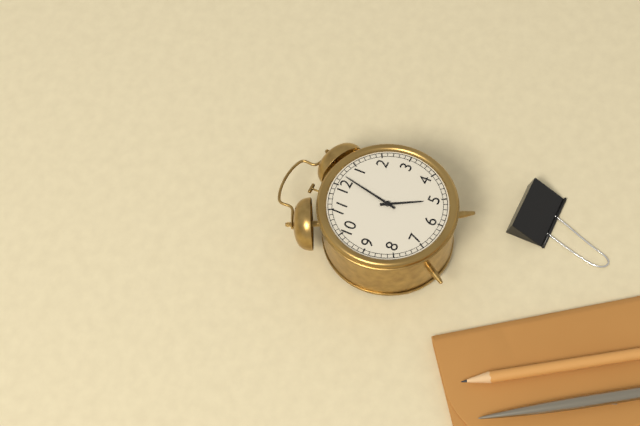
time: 5:02
